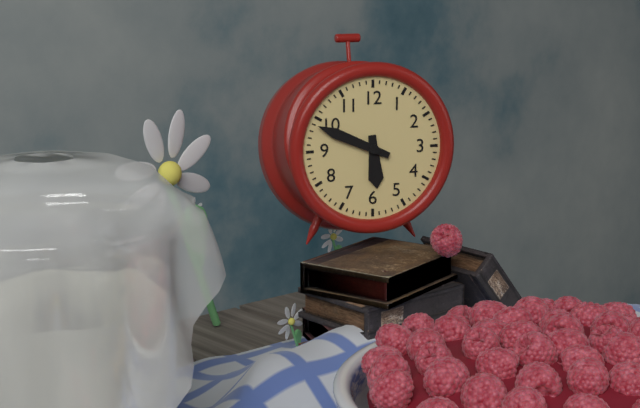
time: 5:49
